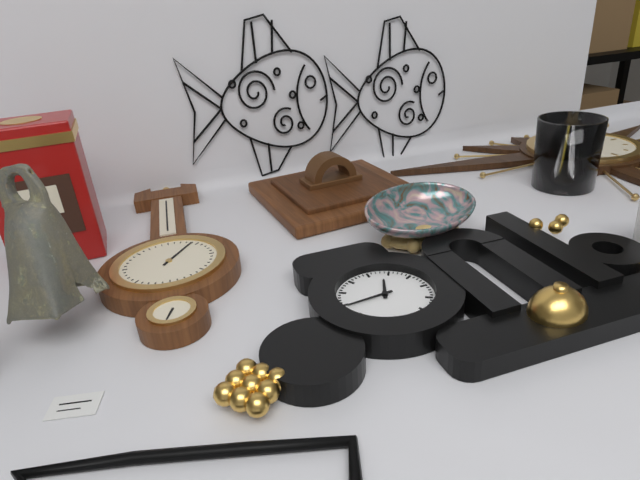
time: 12:44
